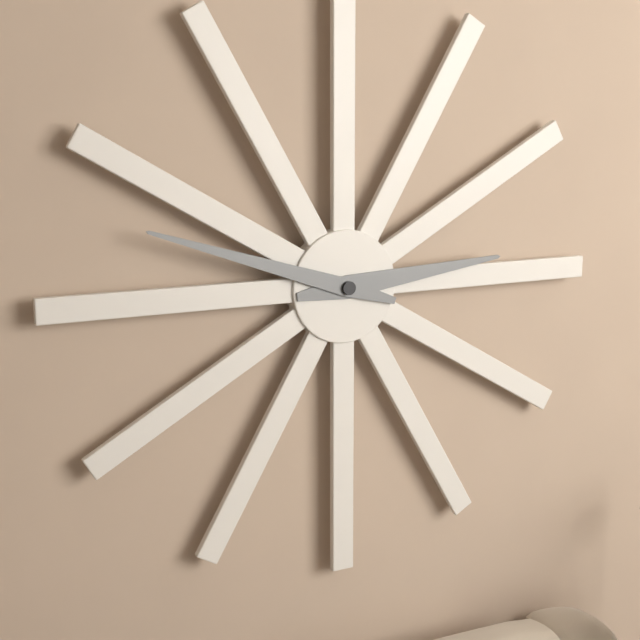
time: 2:48
